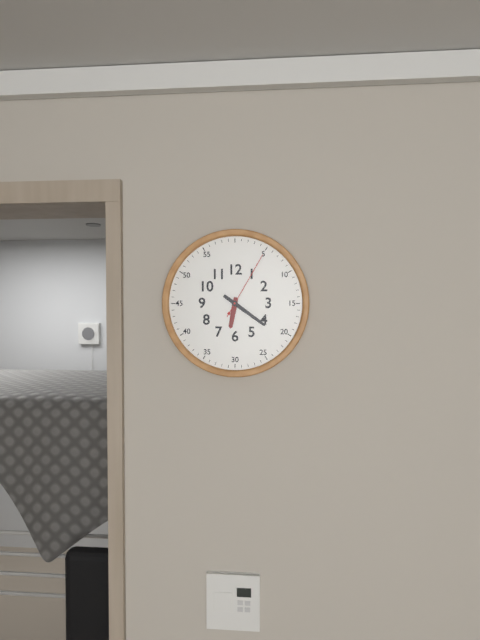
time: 6:21:05
